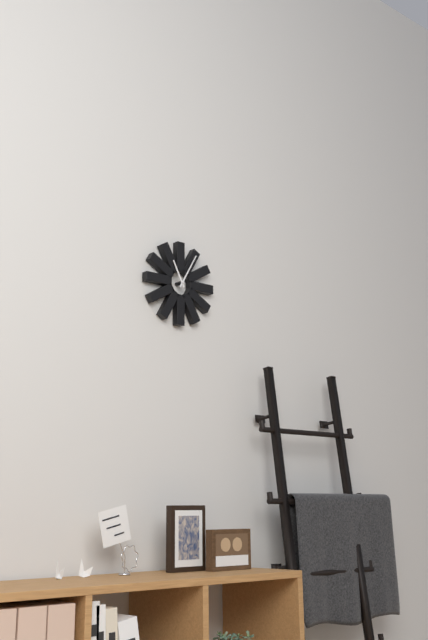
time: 11:05
